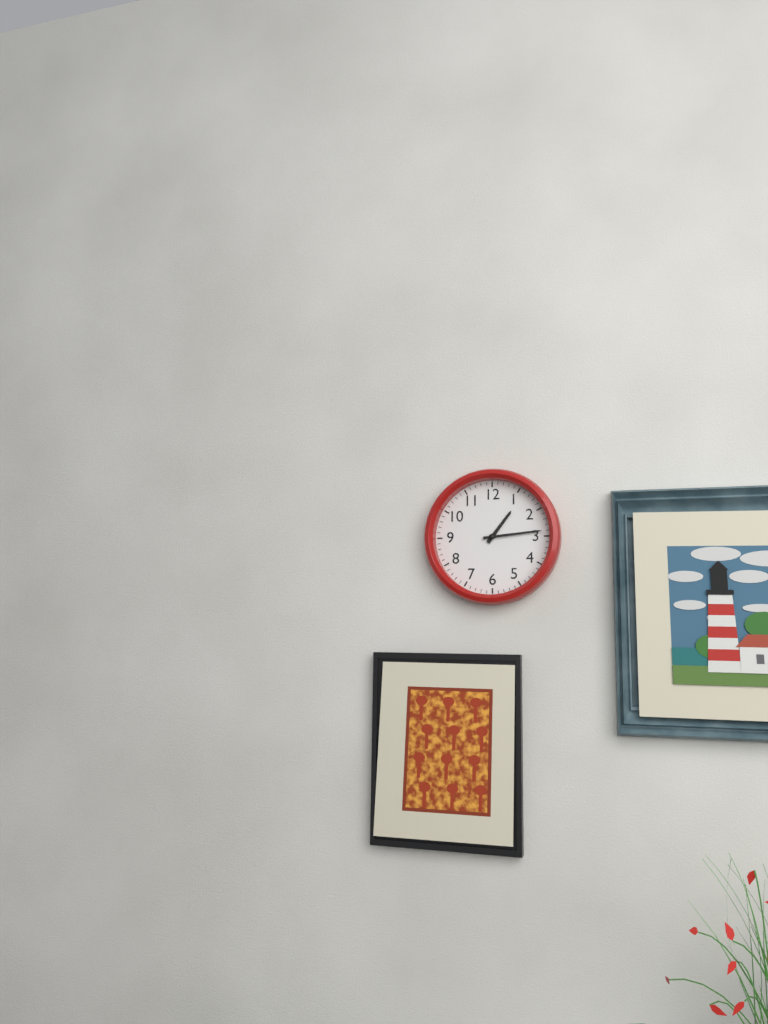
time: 1:14
